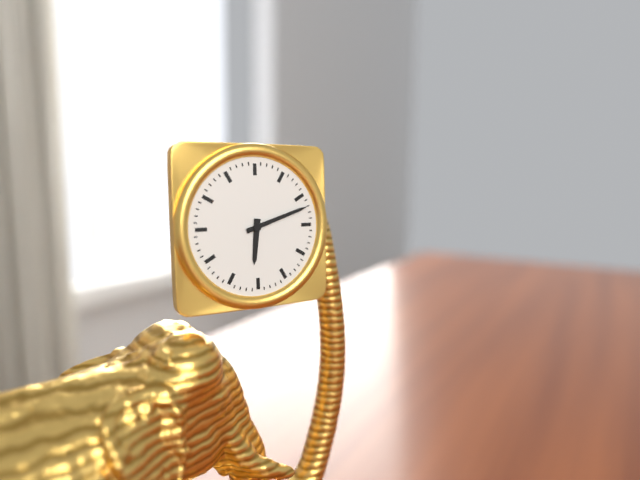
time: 6:12
